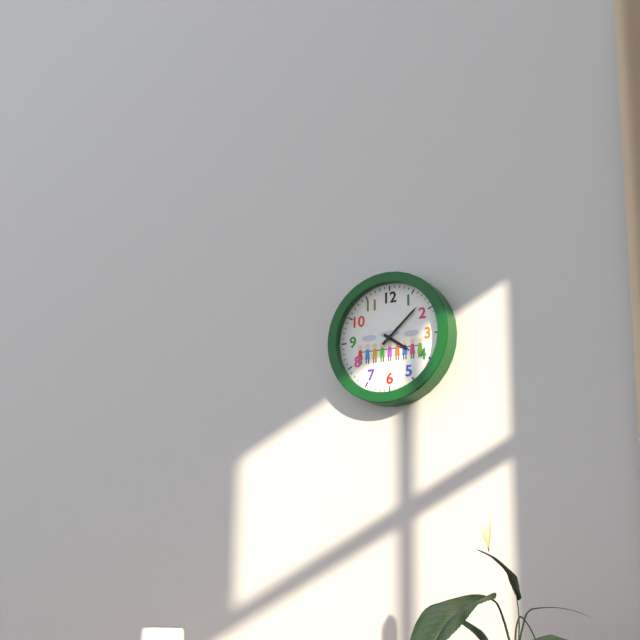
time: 4:08
